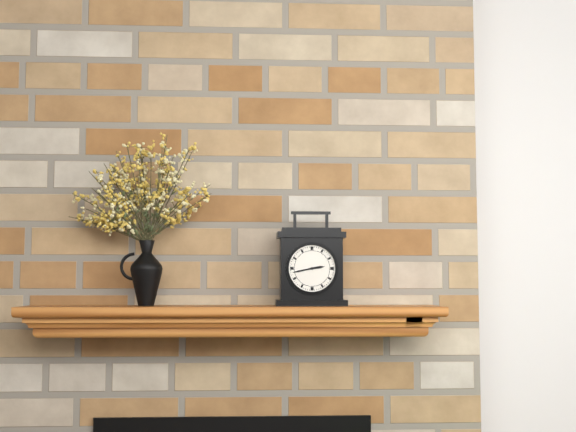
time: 2:43
